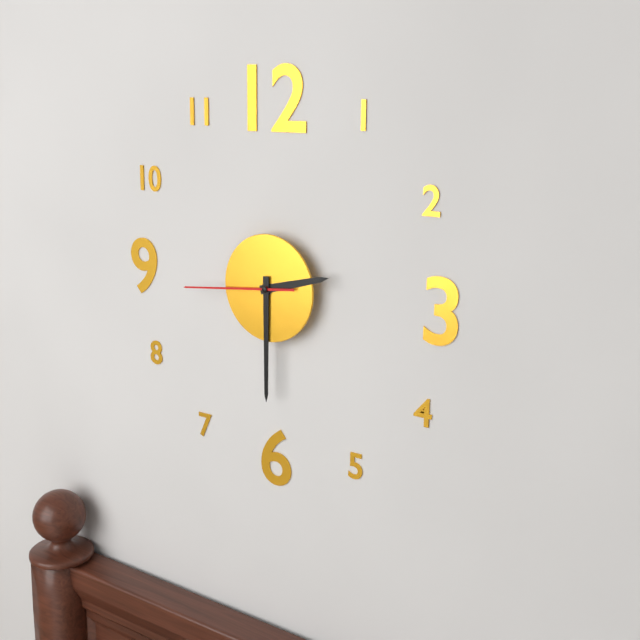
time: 2:30:44
